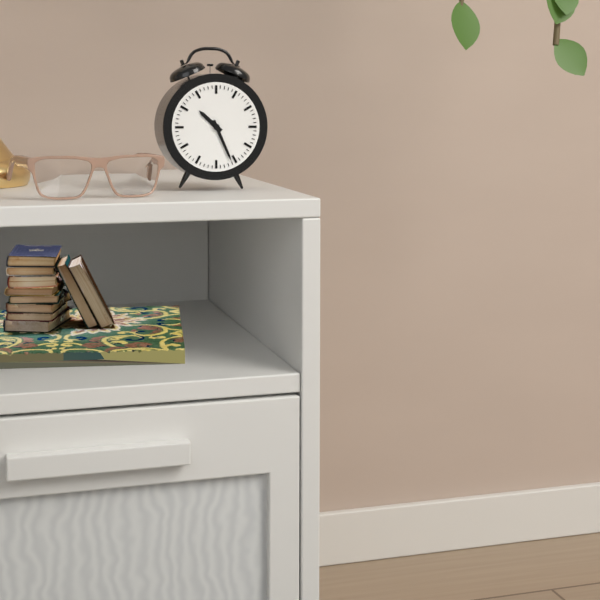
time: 10:26
